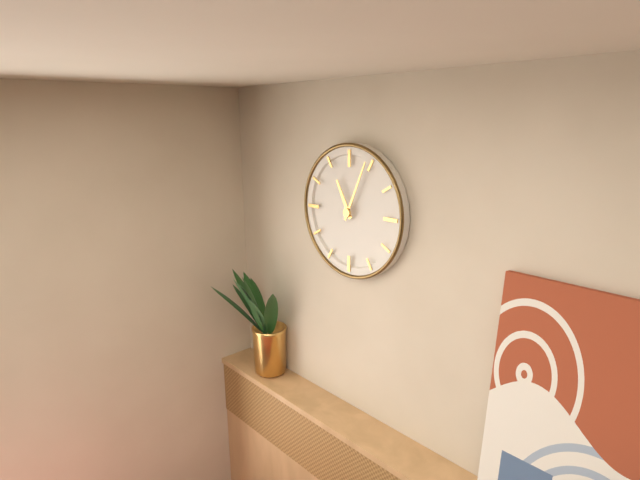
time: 11:04
